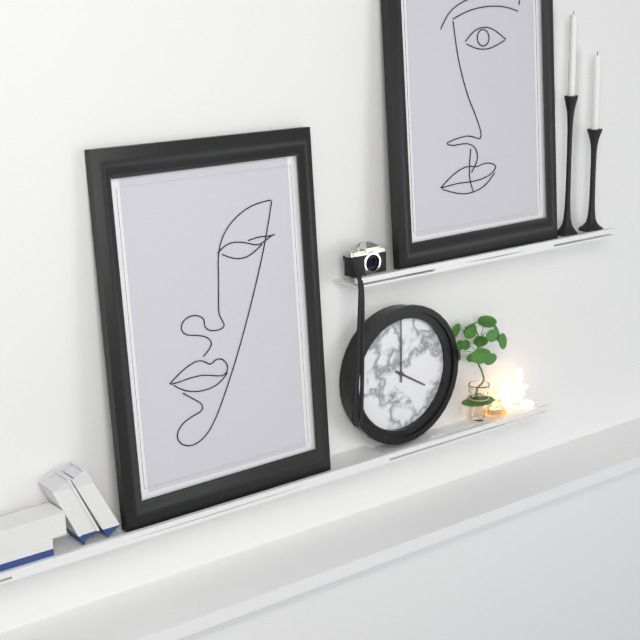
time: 4:00
